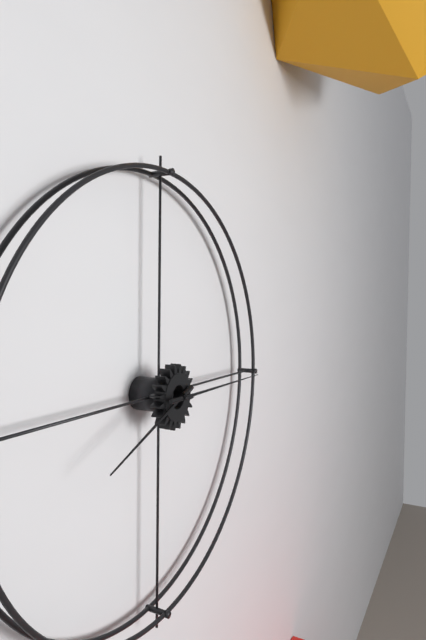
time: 8:15
